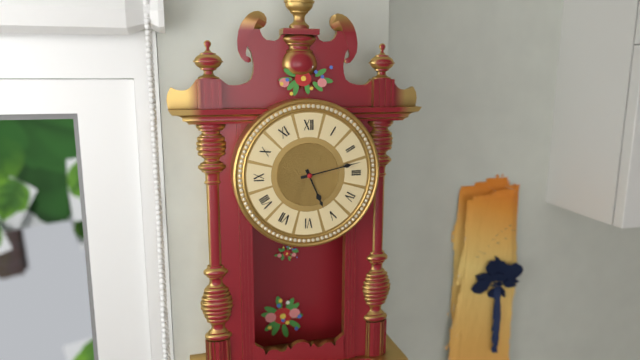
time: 5:13
